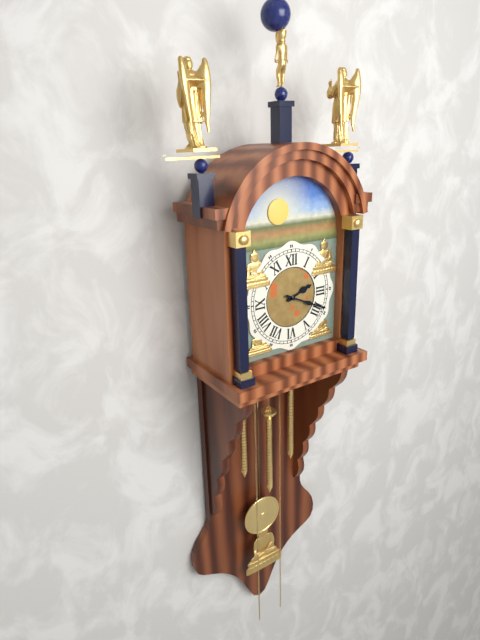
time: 2:19
